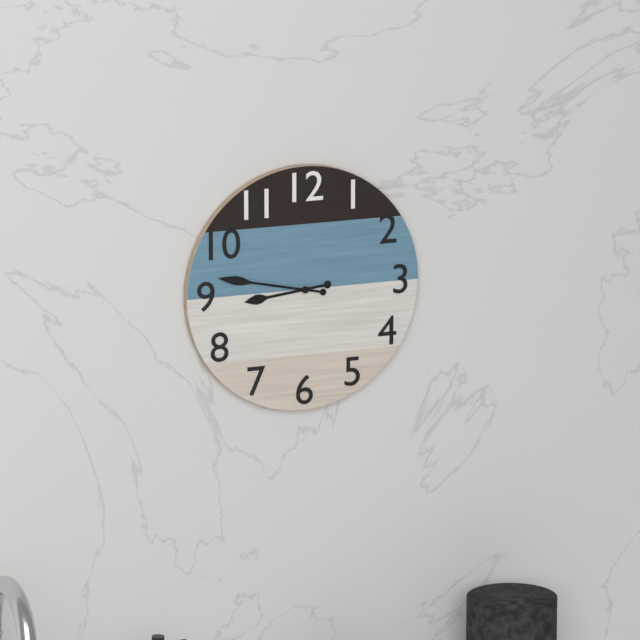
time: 8:47
